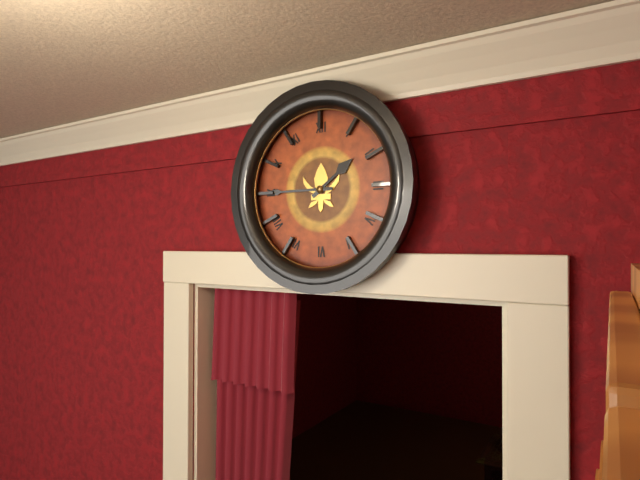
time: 1:45
